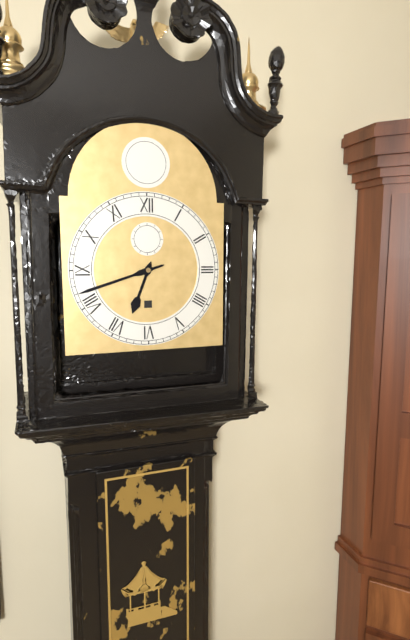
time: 6:42
